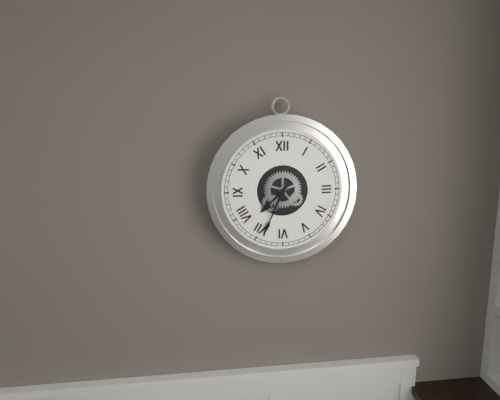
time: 7:34
